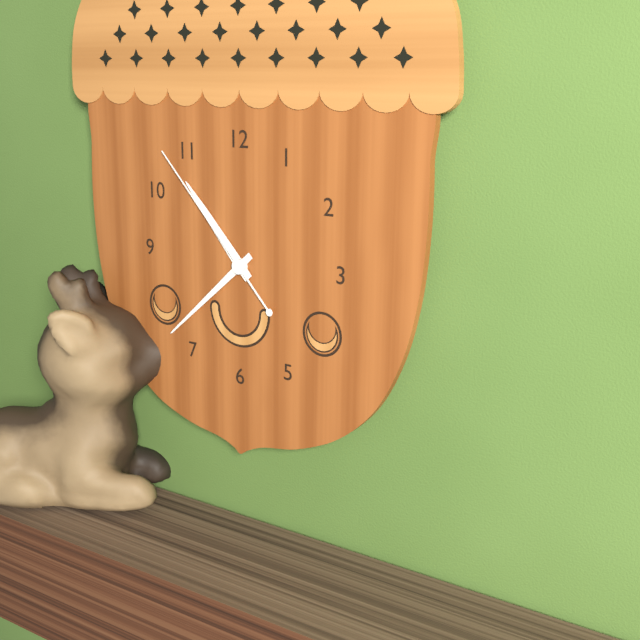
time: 10:38:53
